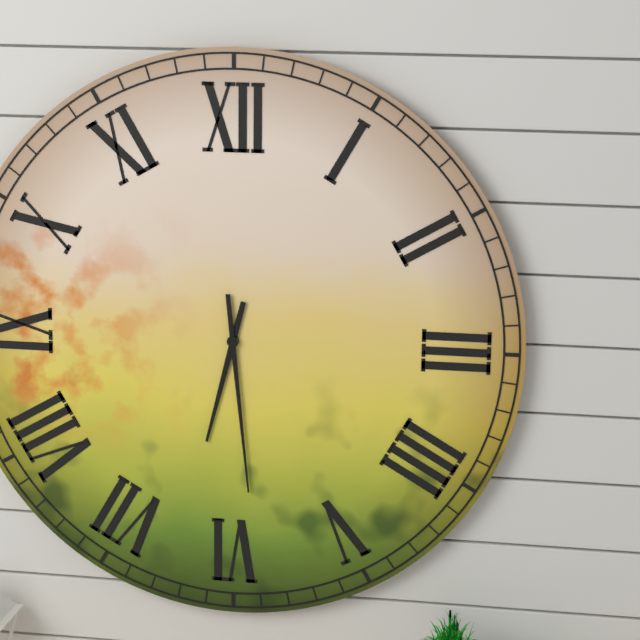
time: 6:29
